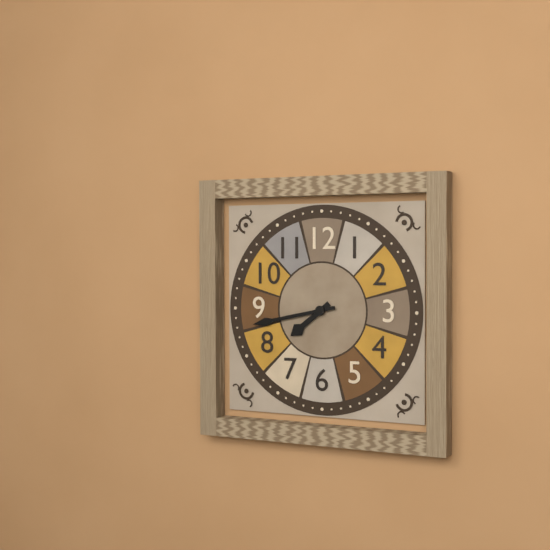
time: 7:43
